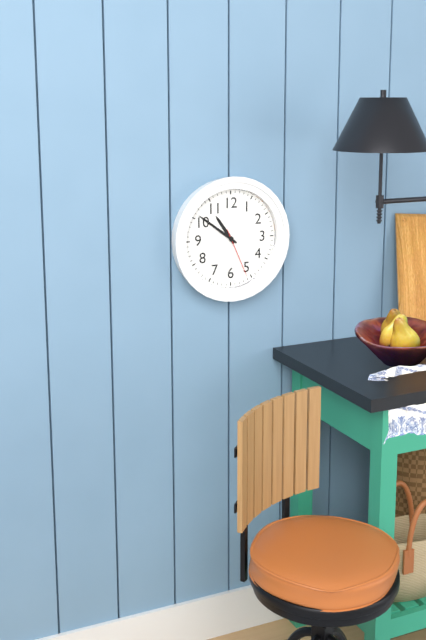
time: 10:51:26
